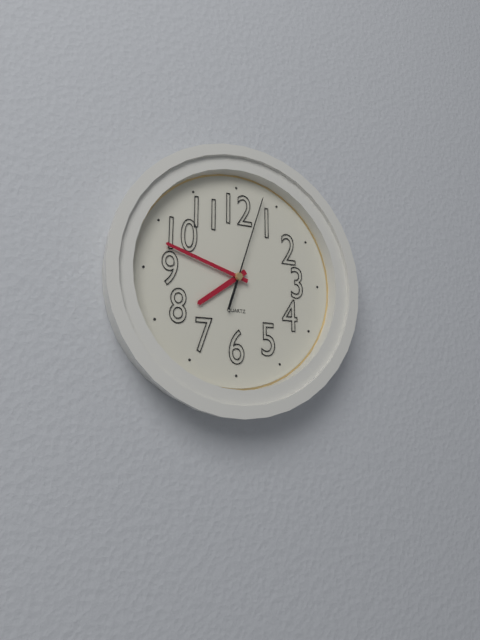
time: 7:48:03
